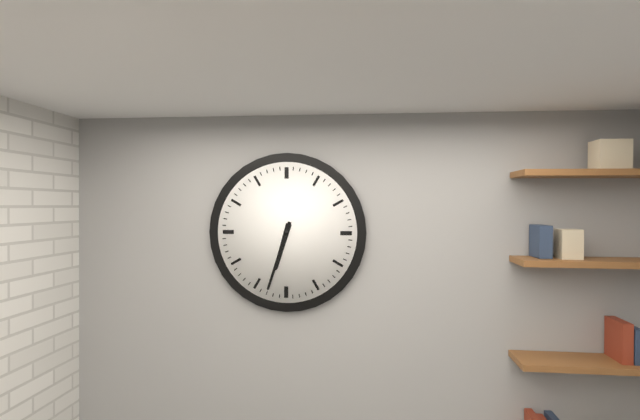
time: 6:33
